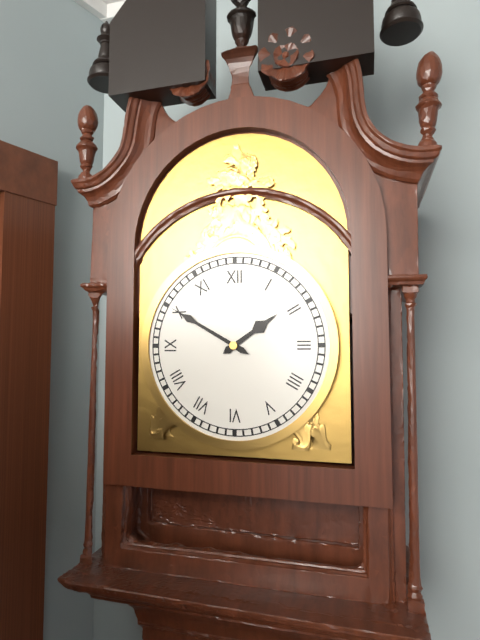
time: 1:50
